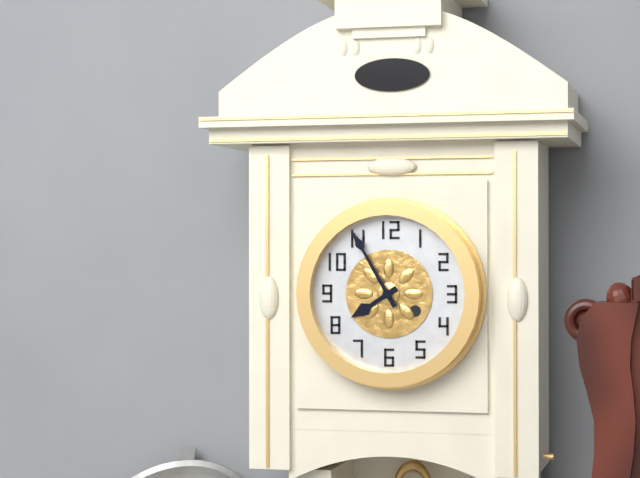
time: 7:55
